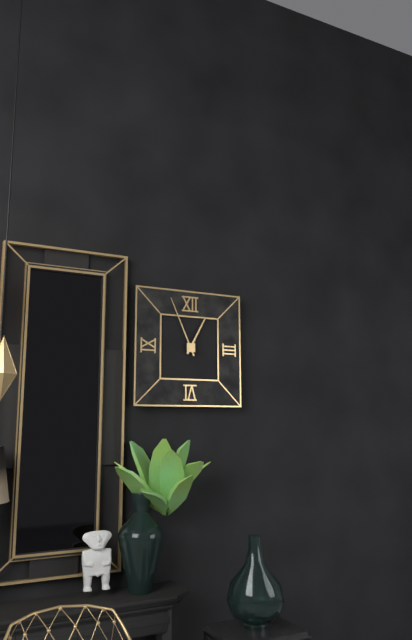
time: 12:56
